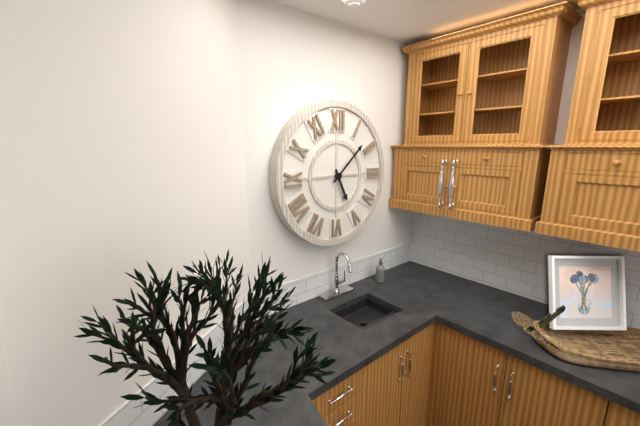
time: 5:08
